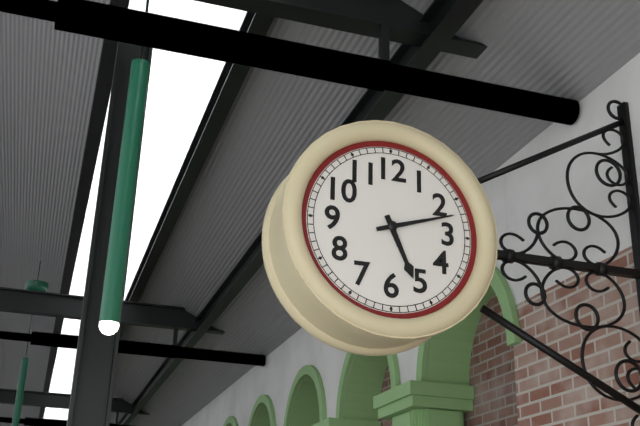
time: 5:12
